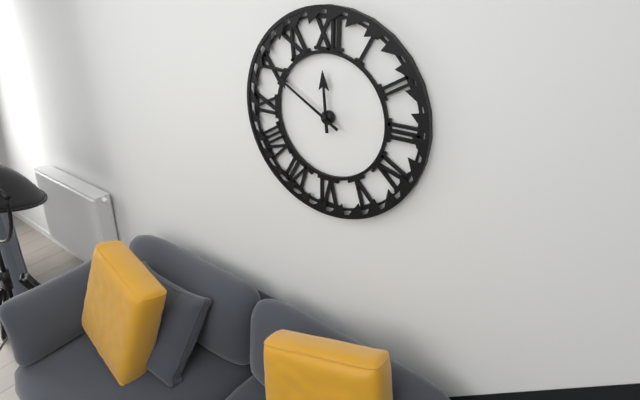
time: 11:50
